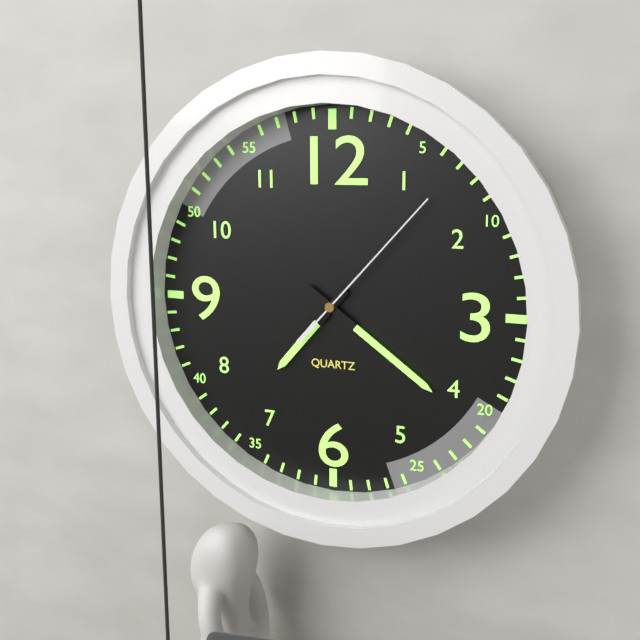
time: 7:21:07
